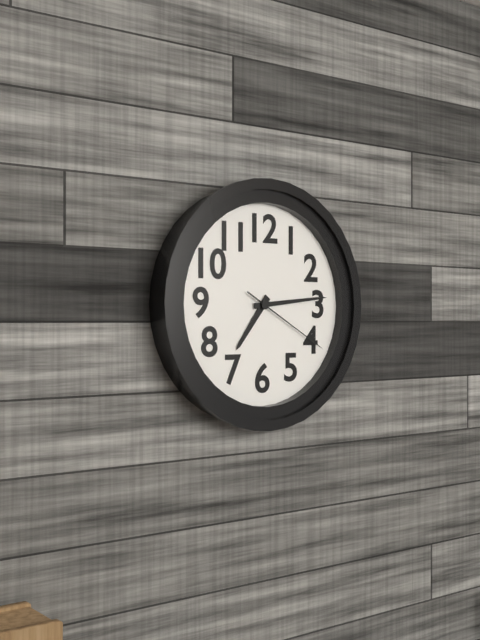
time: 7:14:20
